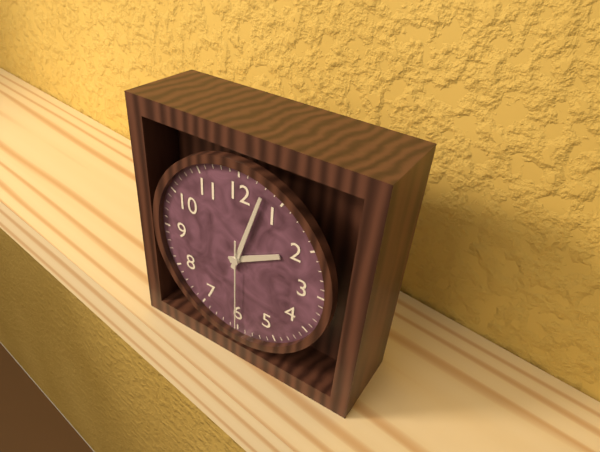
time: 2:03:30
